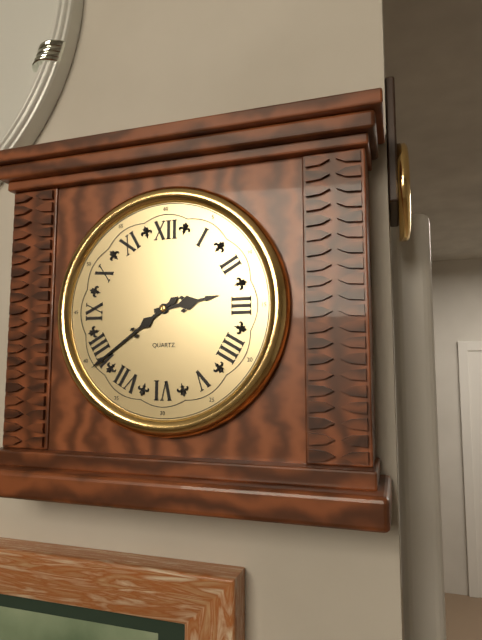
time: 2:39
